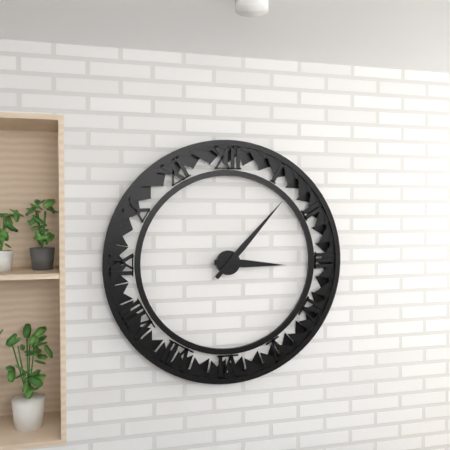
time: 3:07
